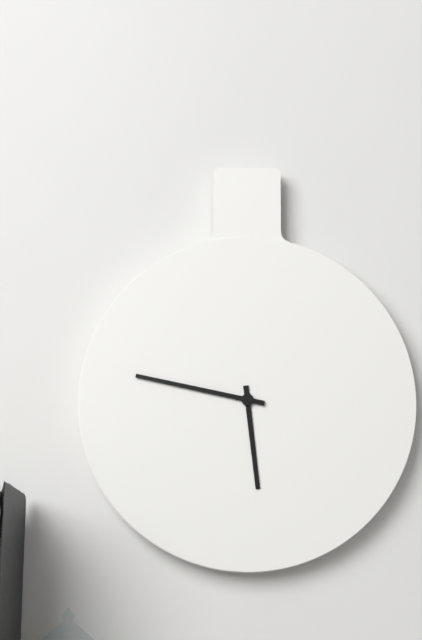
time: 5:47
